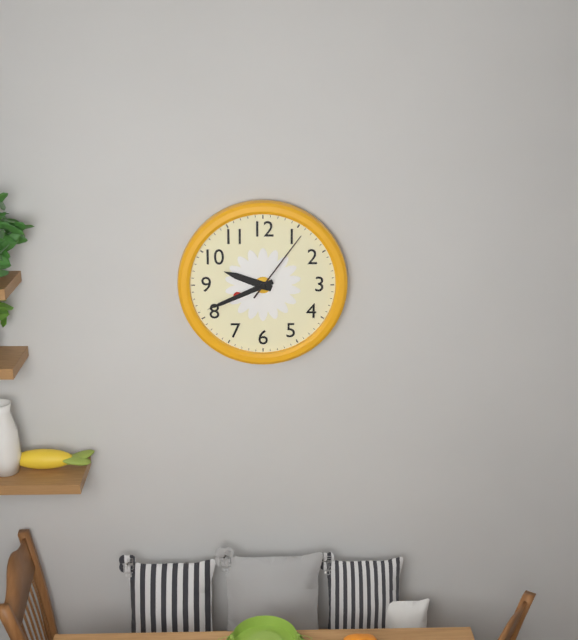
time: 9:41:06
